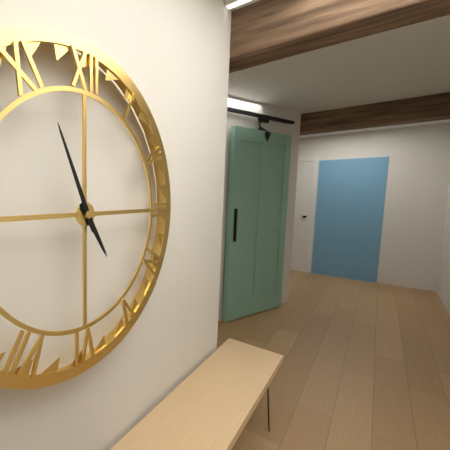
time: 4:56
